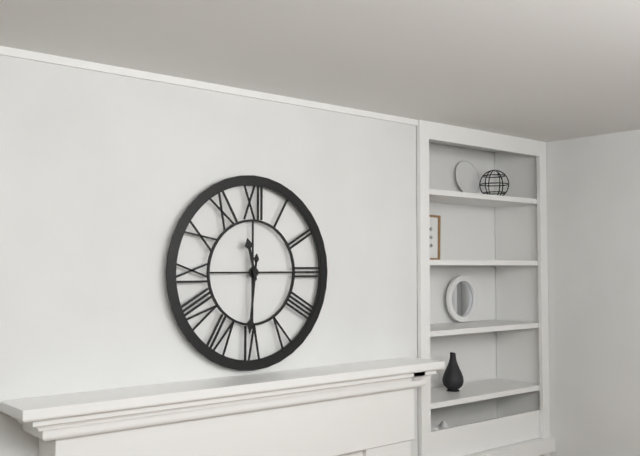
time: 11:31
